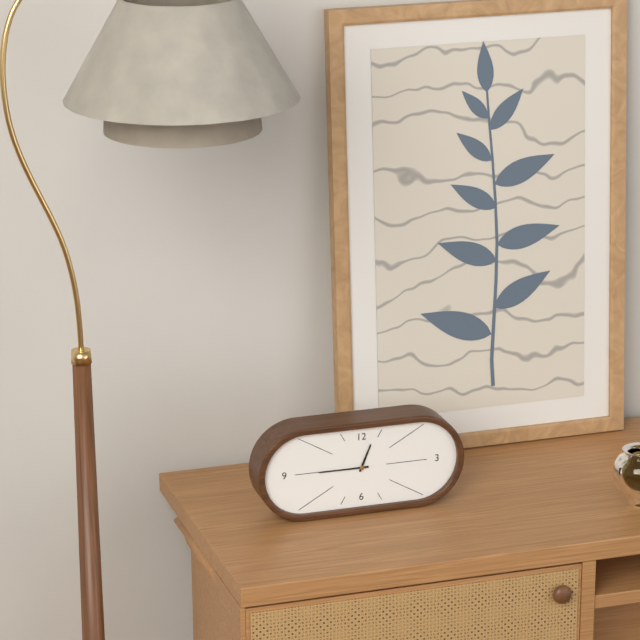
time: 12:45
